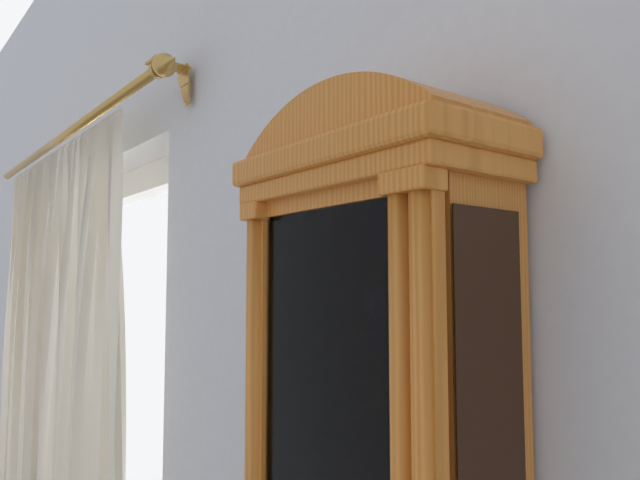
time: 8:28
